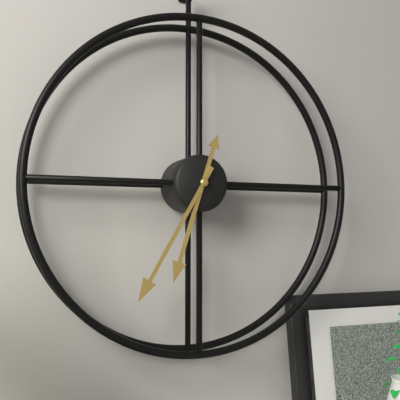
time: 6:35
